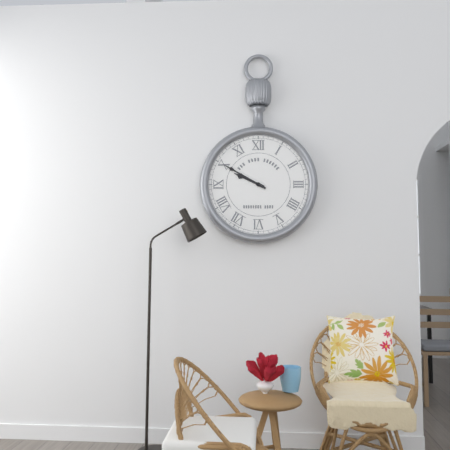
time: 9:50
